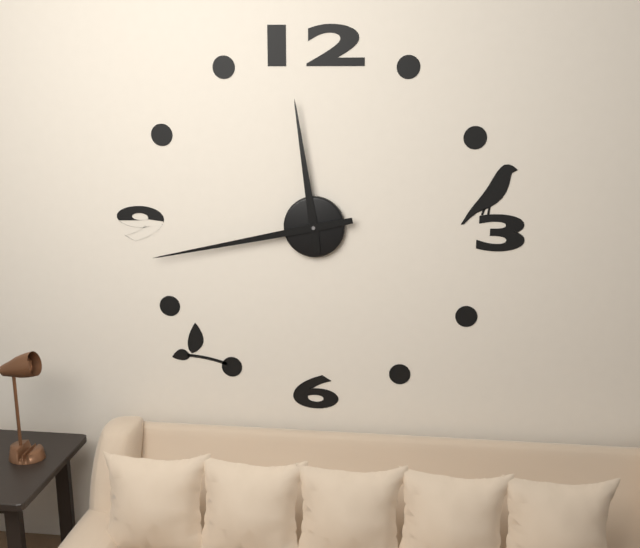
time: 11:43
